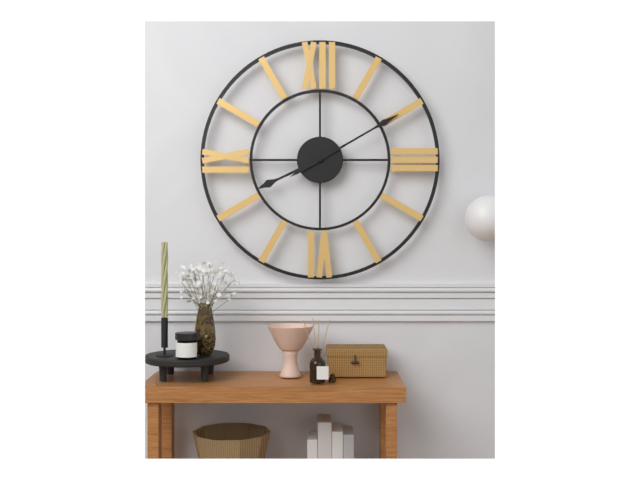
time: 8:10
